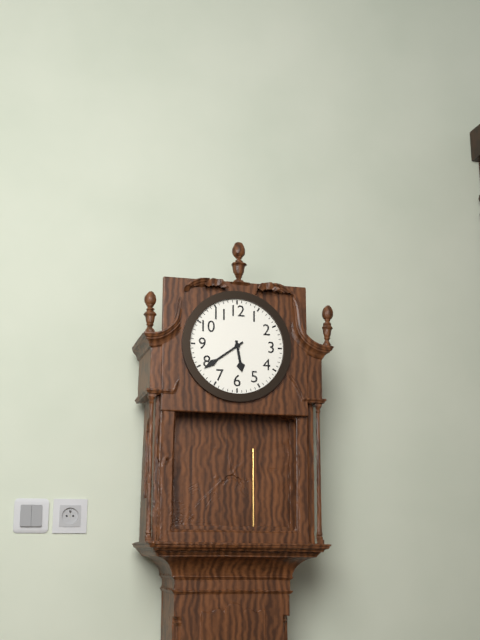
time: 5:39
